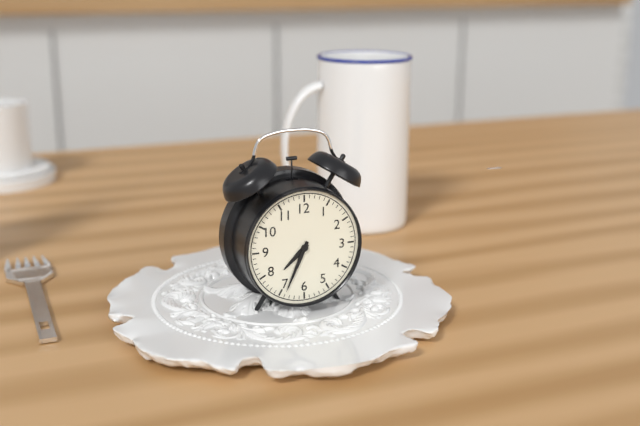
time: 7:34
